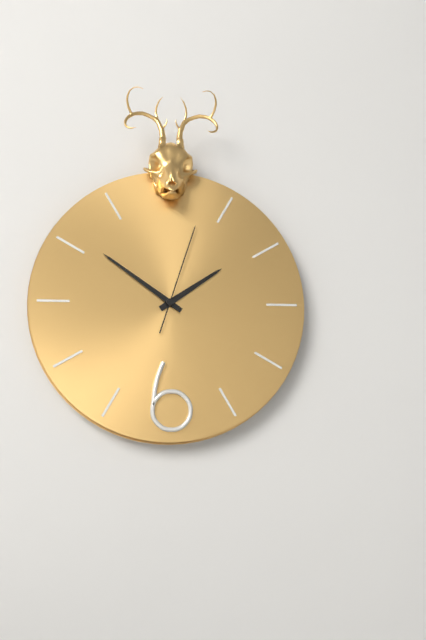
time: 1:51:03
